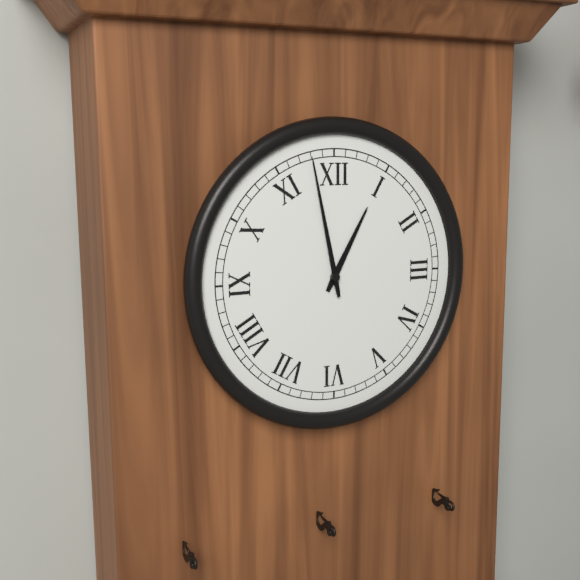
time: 12:58
